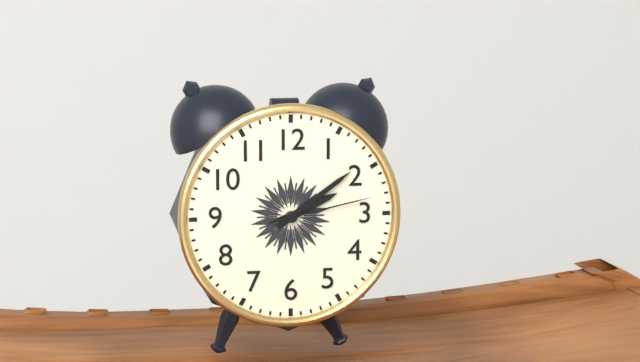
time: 2:09:13
